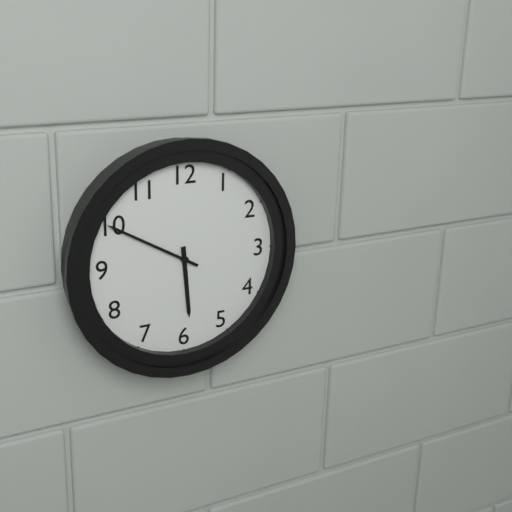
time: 5:50
